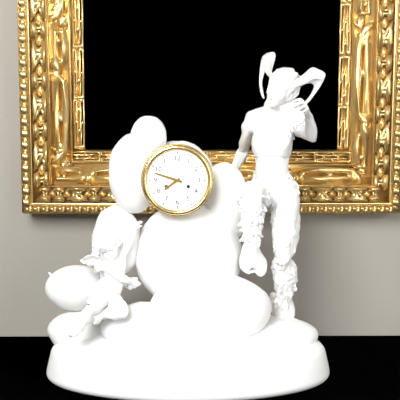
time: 7:48
